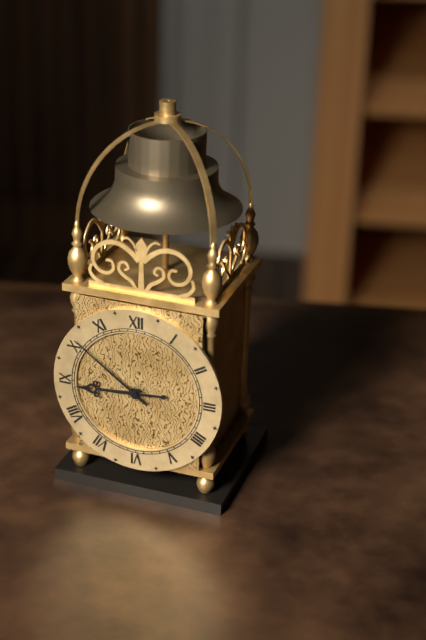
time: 8:51
